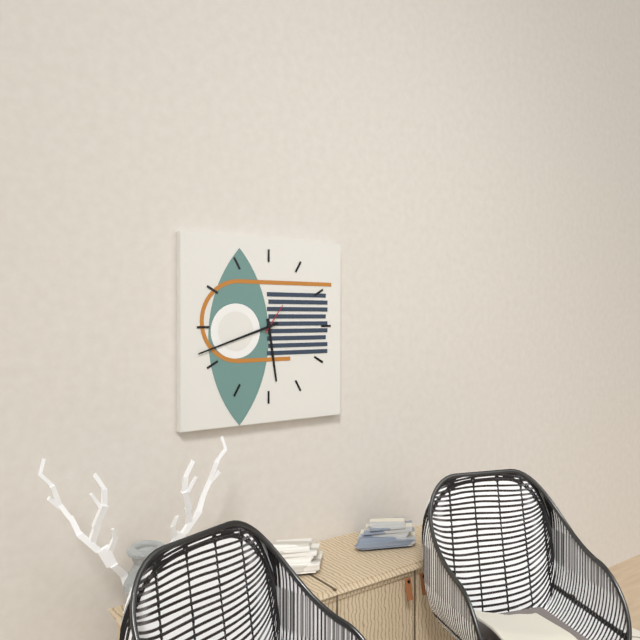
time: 5:42
